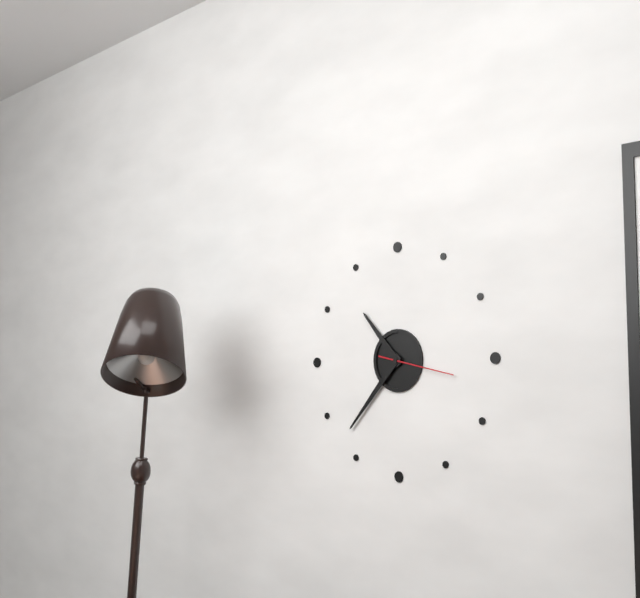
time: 10:37:17
